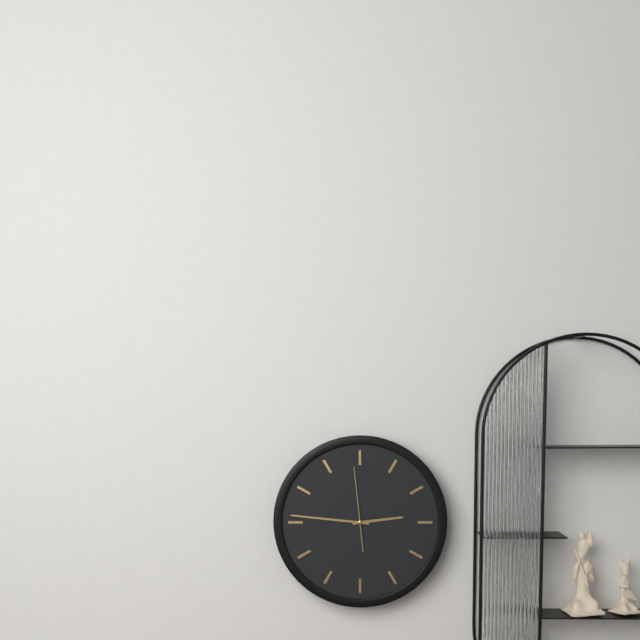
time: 2:46:59
